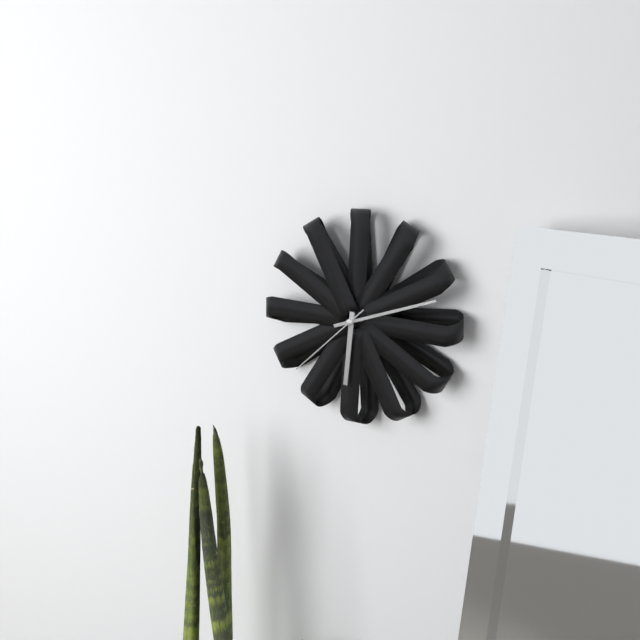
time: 6:12:38
